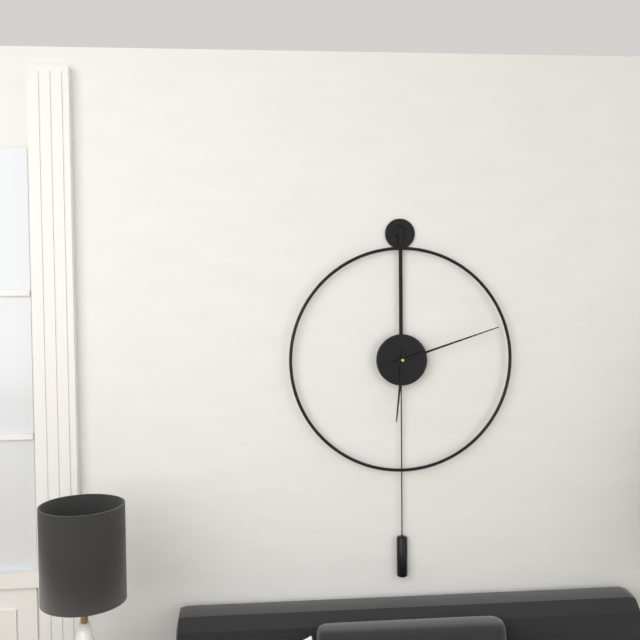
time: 6:12
